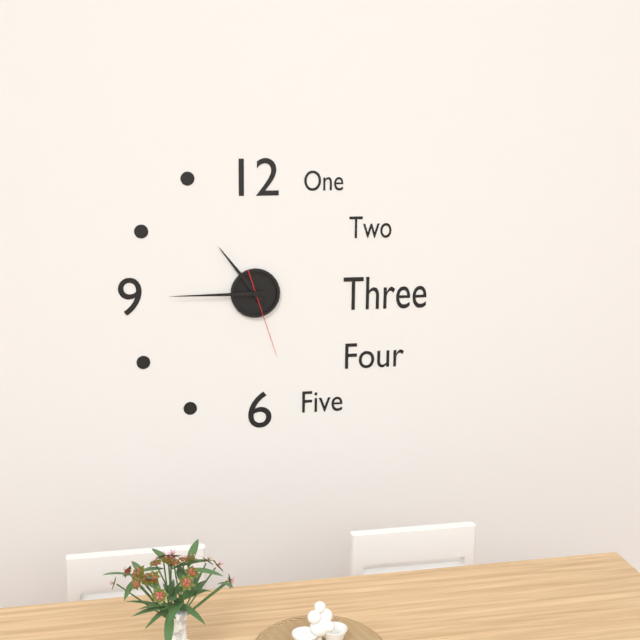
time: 10:45:27
